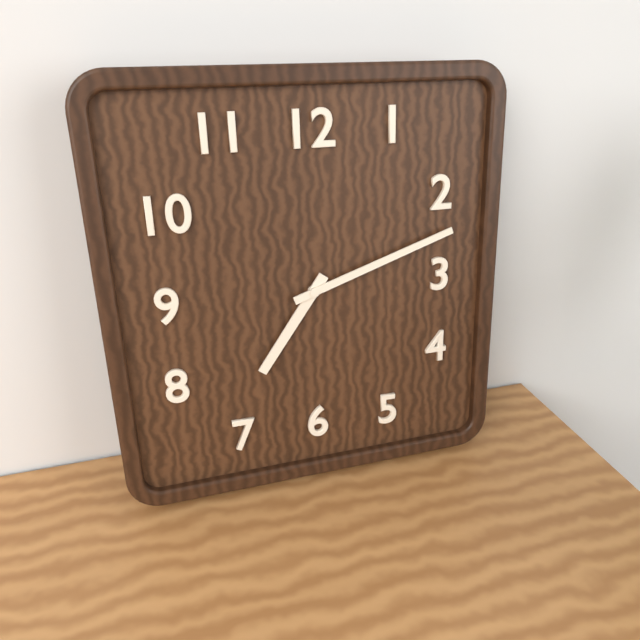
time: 7:12
